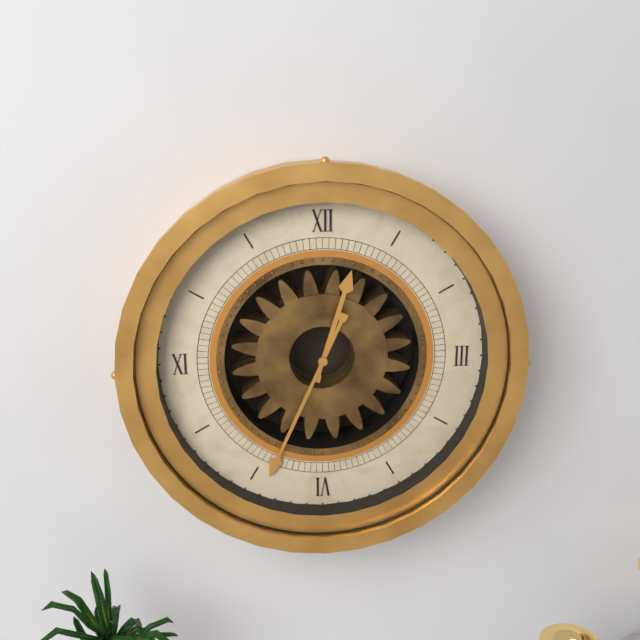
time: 12:34
